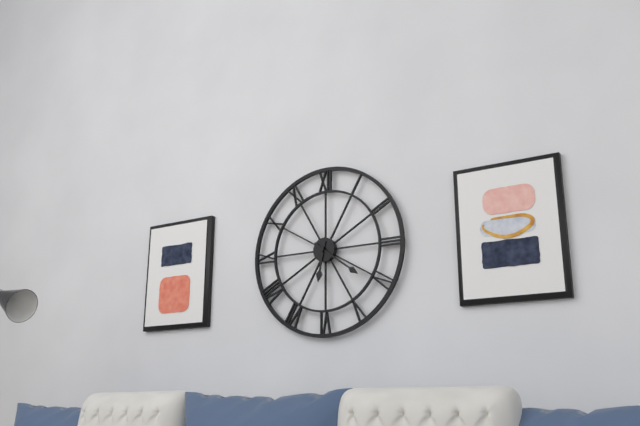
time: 6:21
